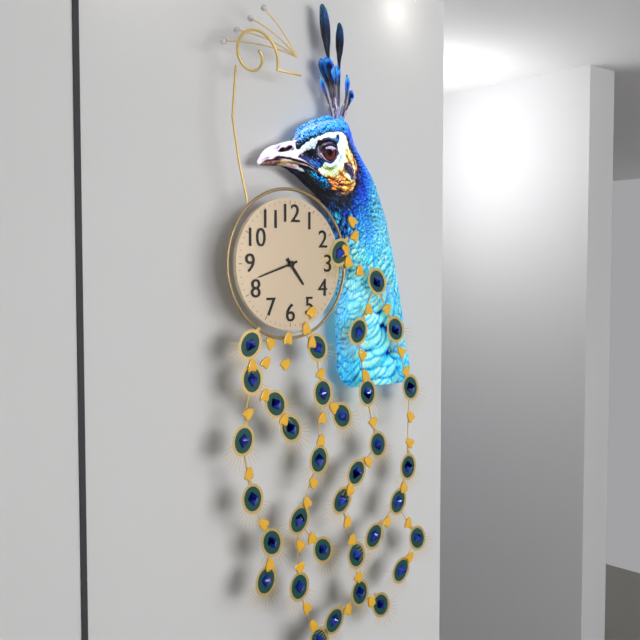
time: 4:42
